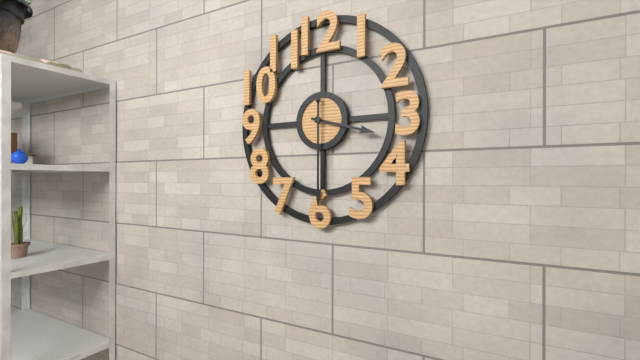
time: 3:30
